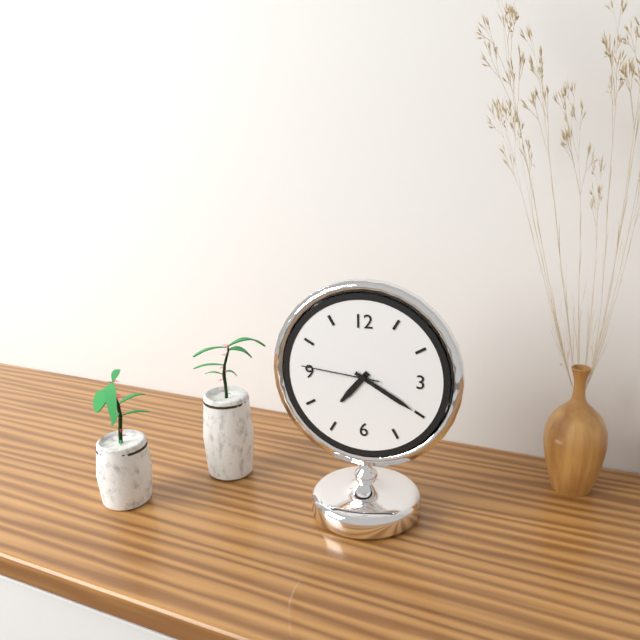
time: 7:20:46
